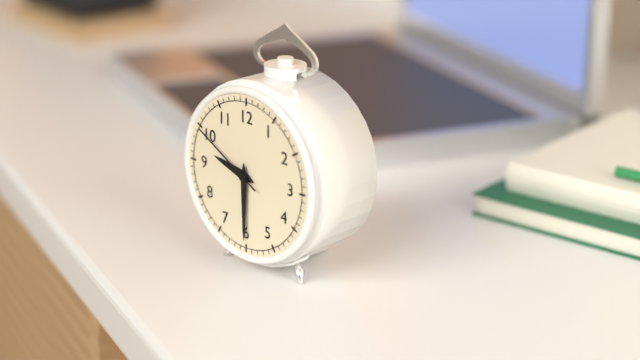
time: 9:30:50
